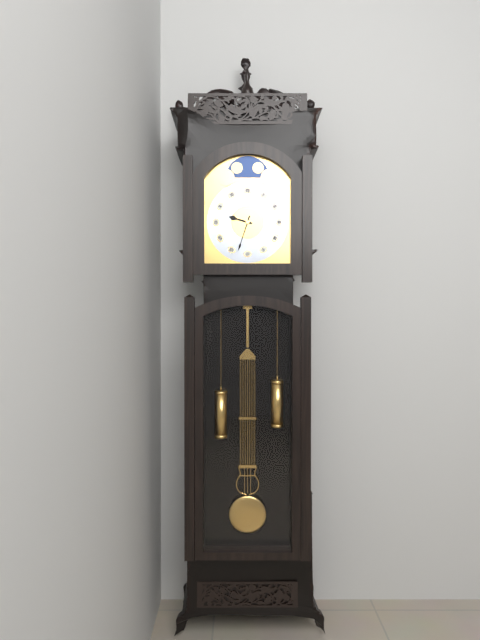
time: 9:33
